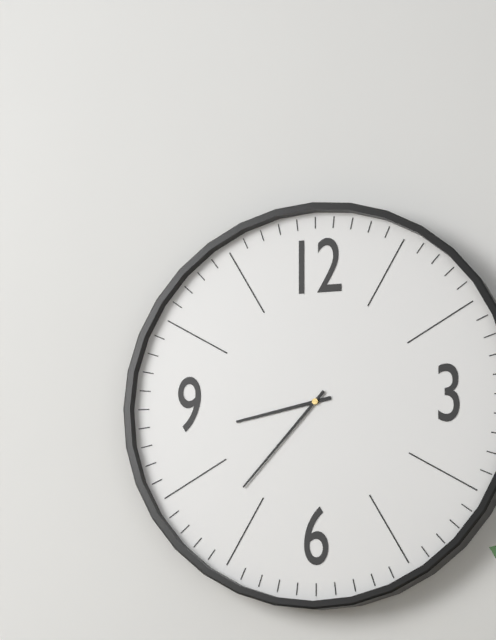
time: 8:37
